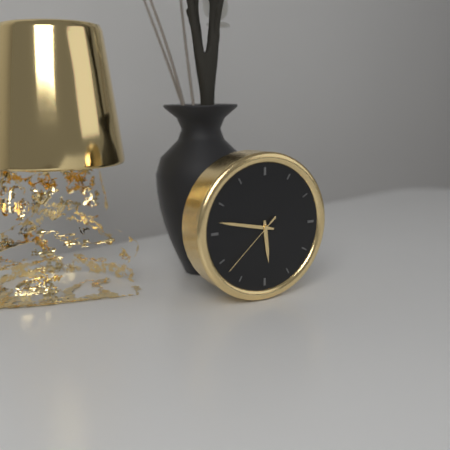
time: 5:47:38
